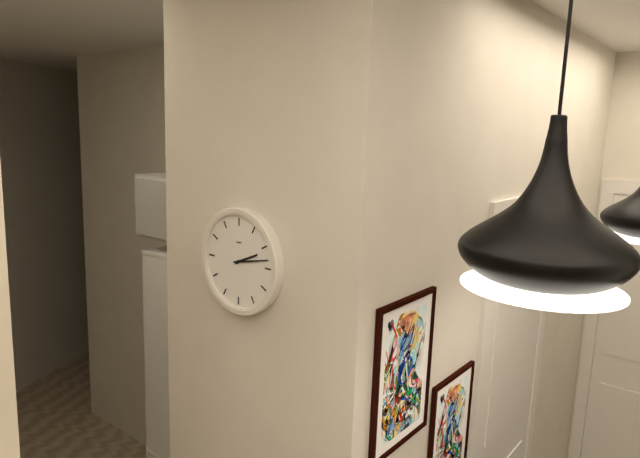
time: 2:13
